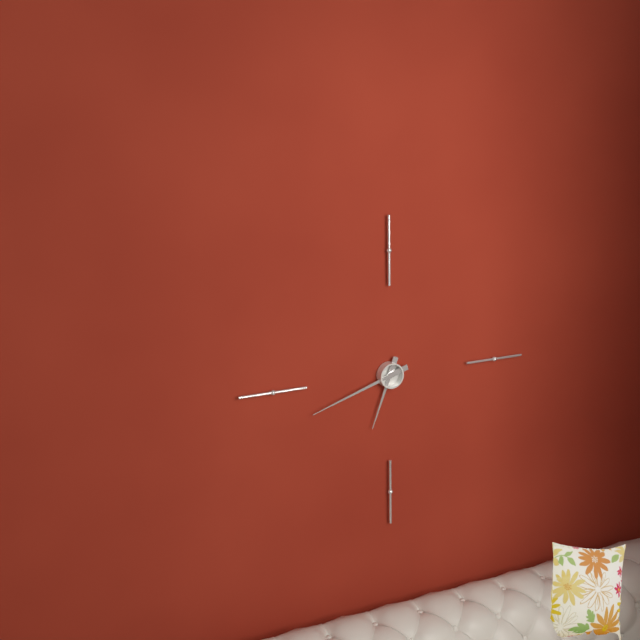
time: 6:42
